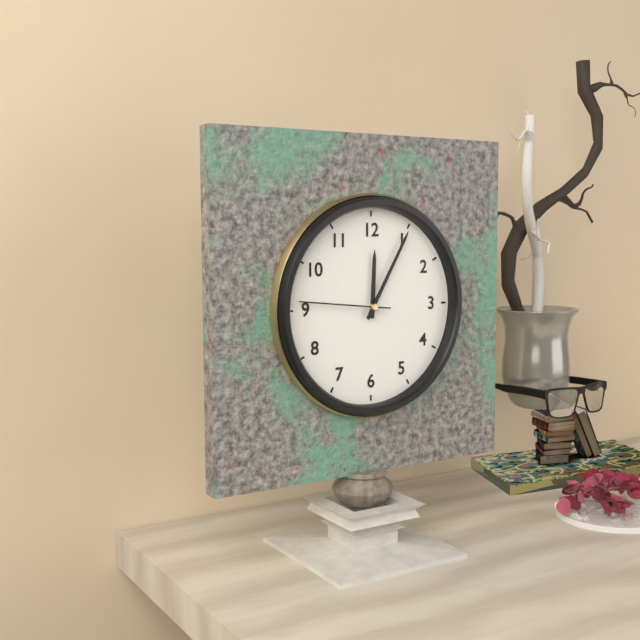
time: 12:05:46
